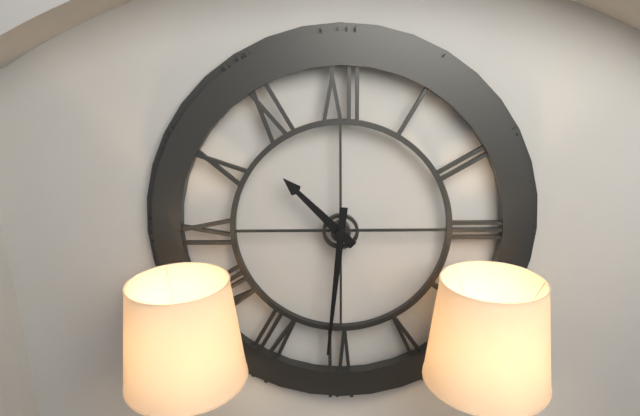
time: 10:31
